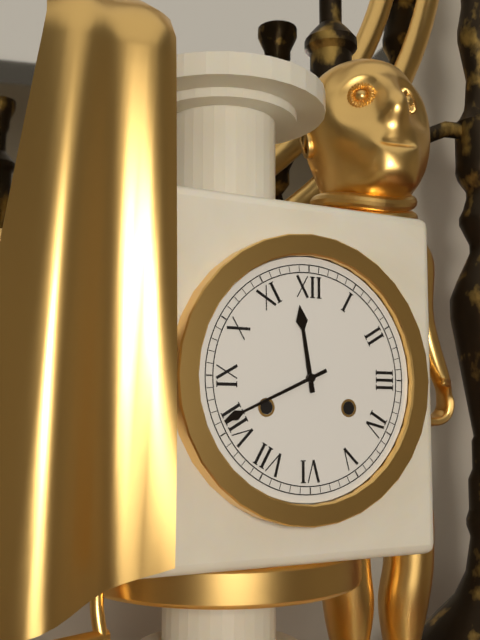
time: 11:41
